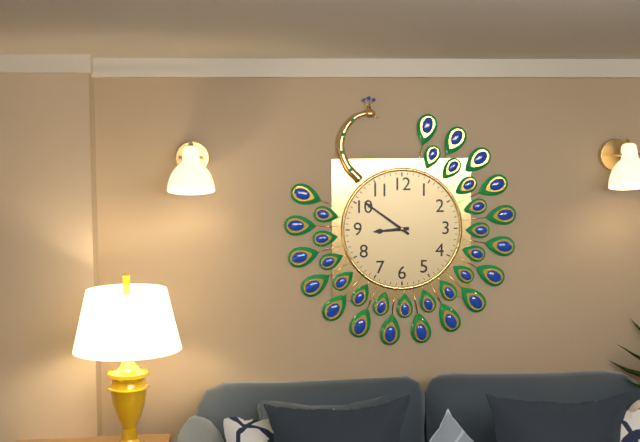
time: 8:51
